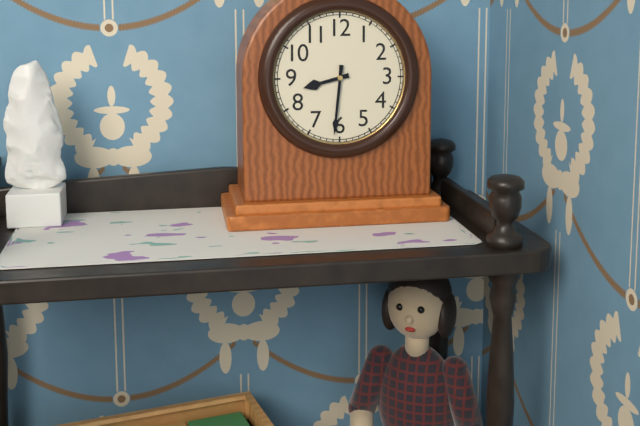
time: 8:31
